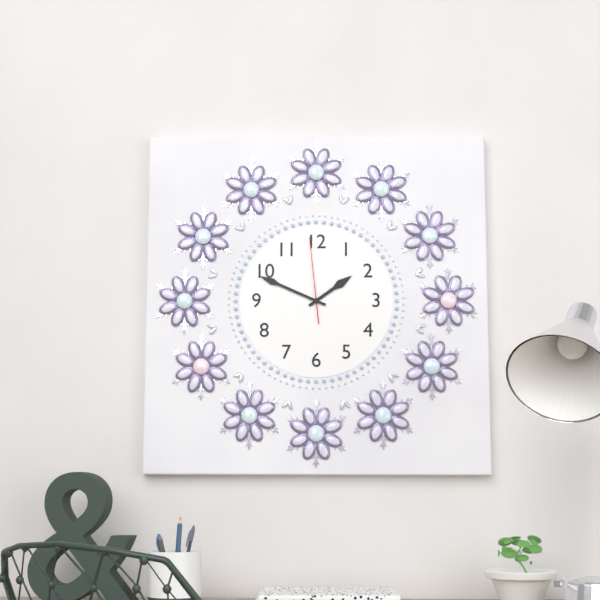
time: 1:49:59
